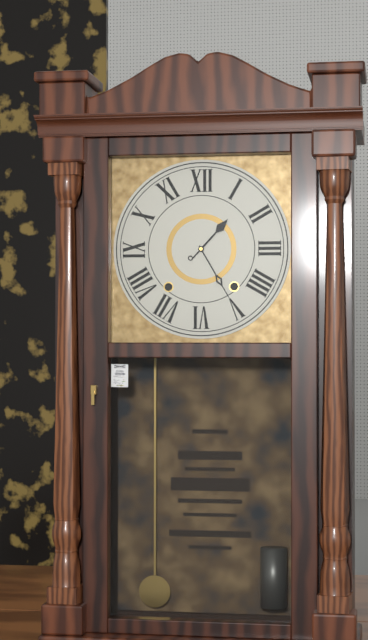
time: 1:25
